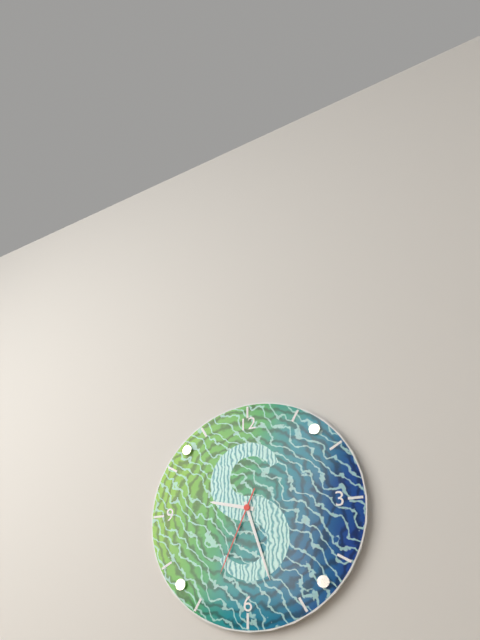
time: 9:27:34
